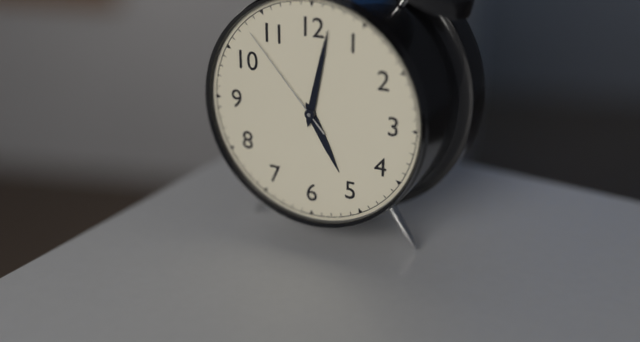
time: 5:02:53
